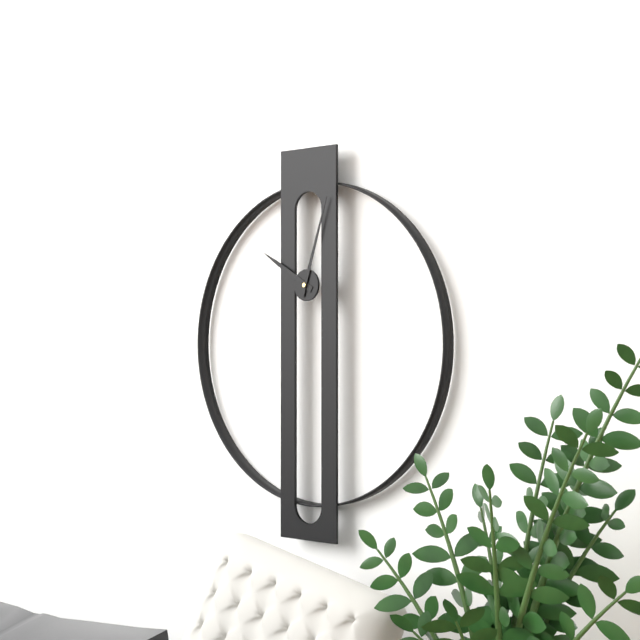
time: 10:03
